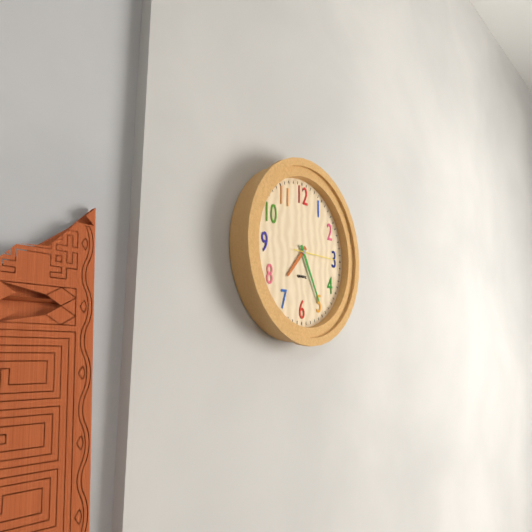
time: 7:25
